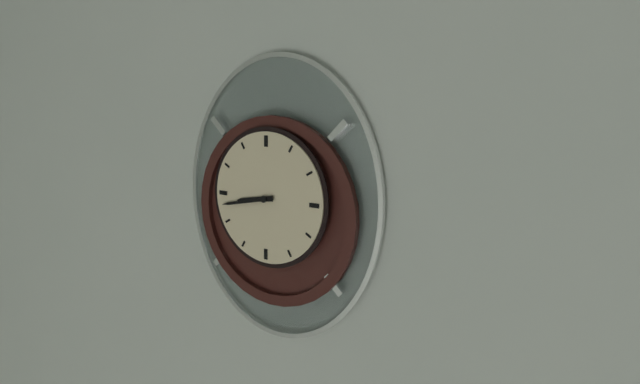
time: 8:43
